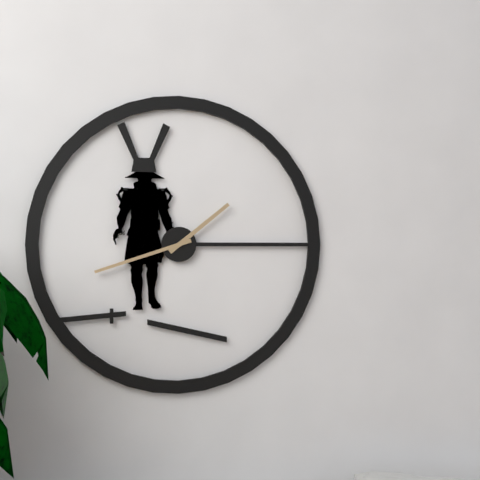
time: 1:42
